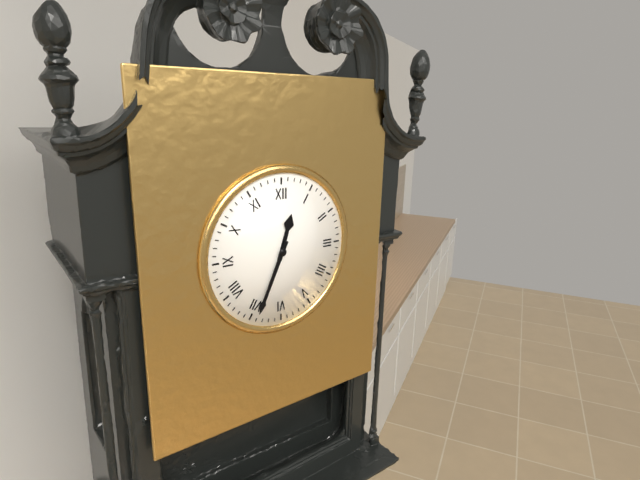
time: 12:34
